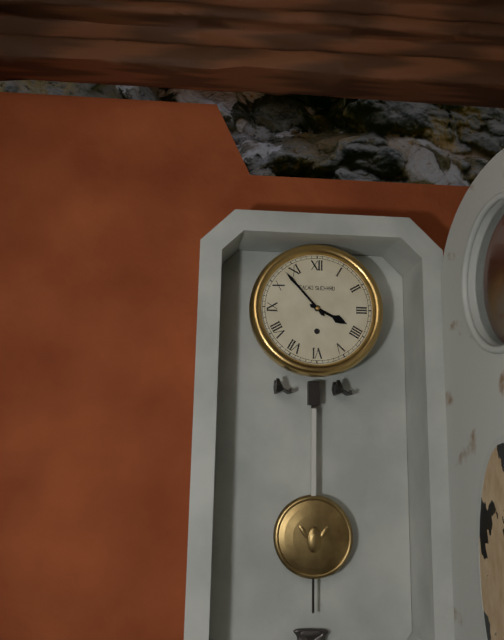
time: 3:53
